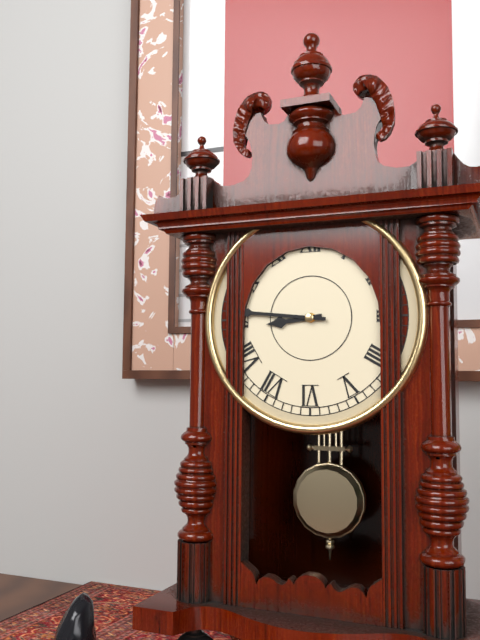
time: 8:46
